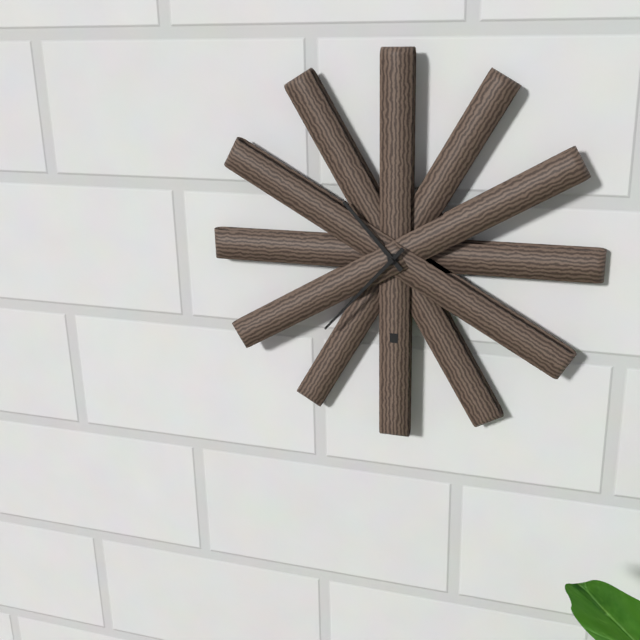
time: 10:37
